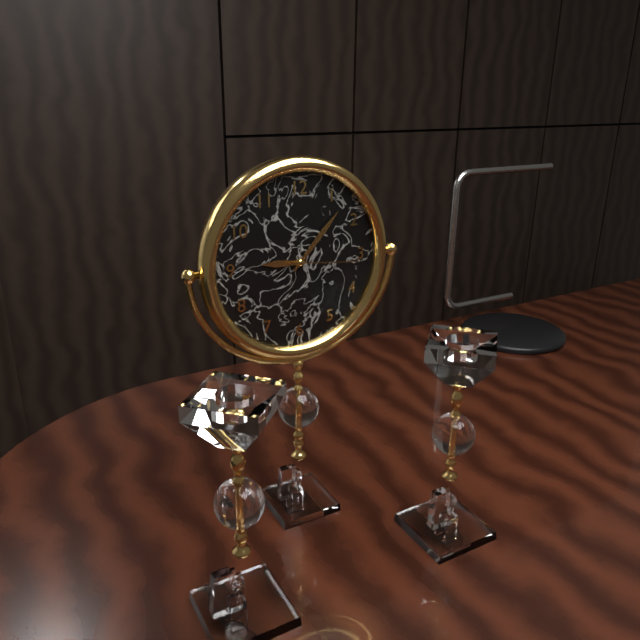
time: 9:07:16
